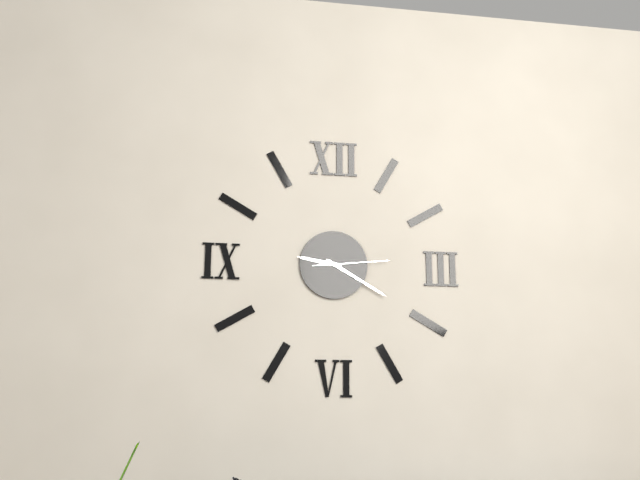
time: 9:20:14
